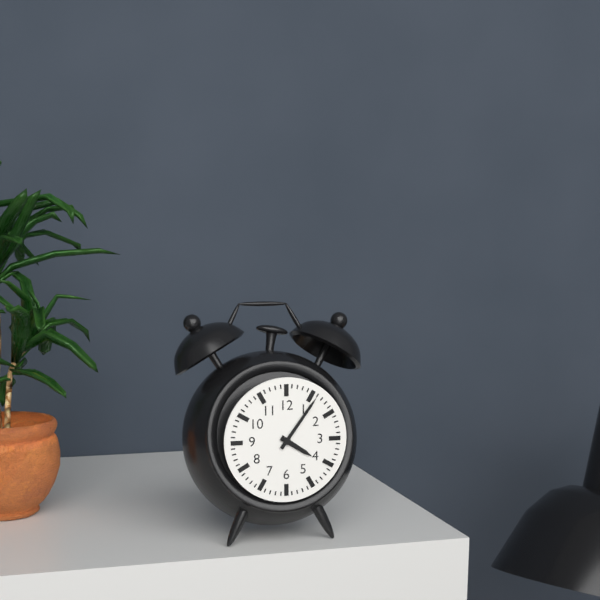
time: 4:06
